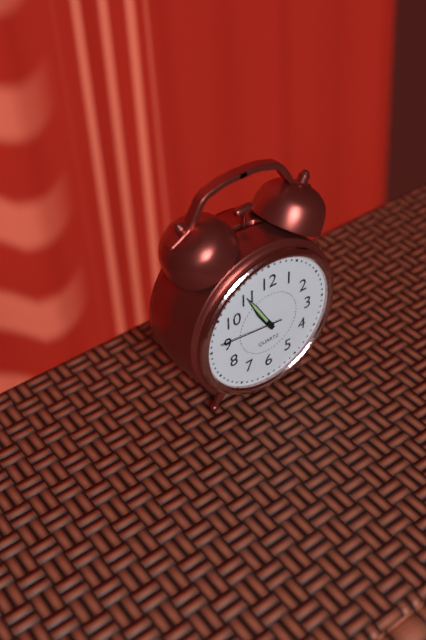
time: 10:55:46
